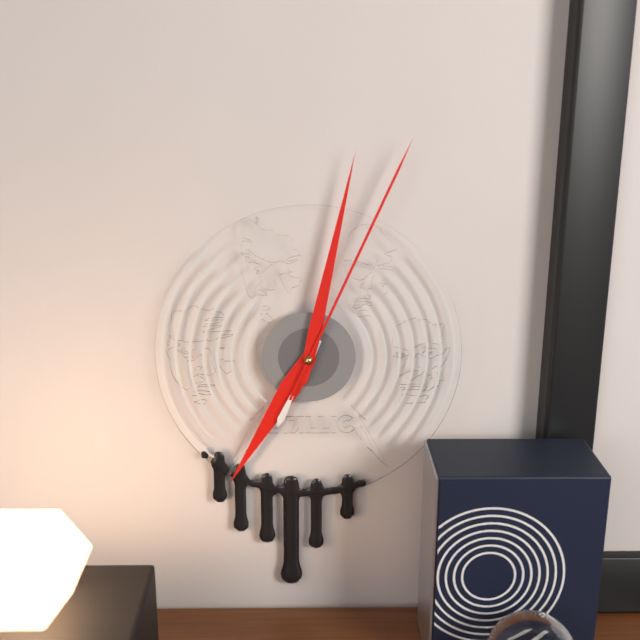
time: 7:02:04
